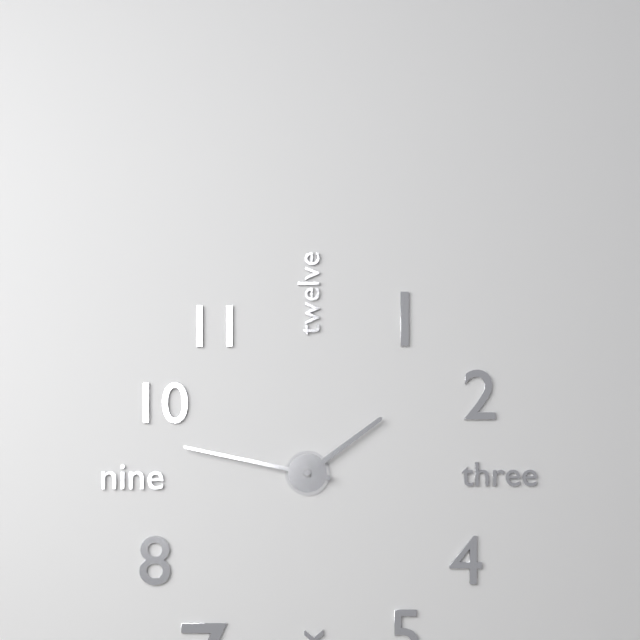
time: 1:47
